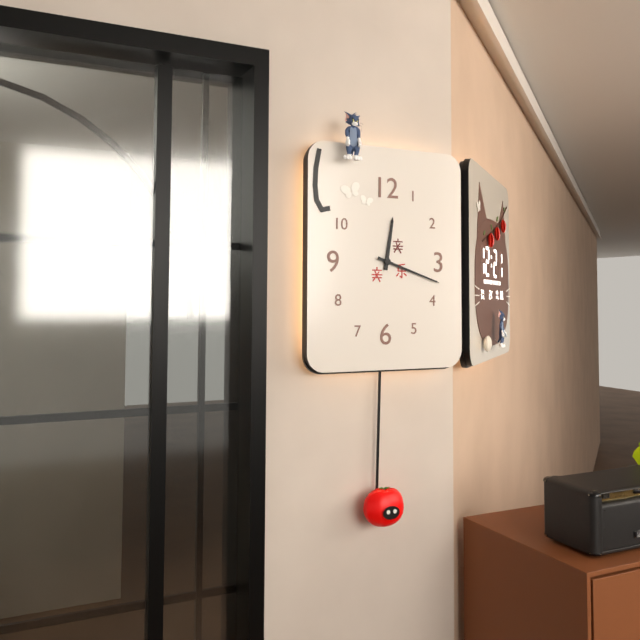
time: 12:18
